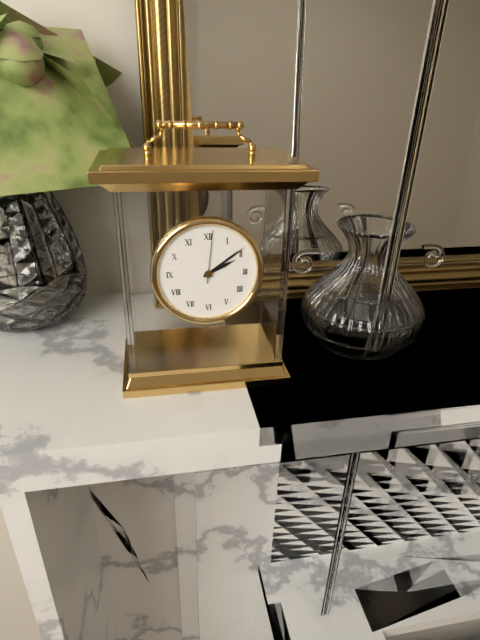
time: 2:09:01
